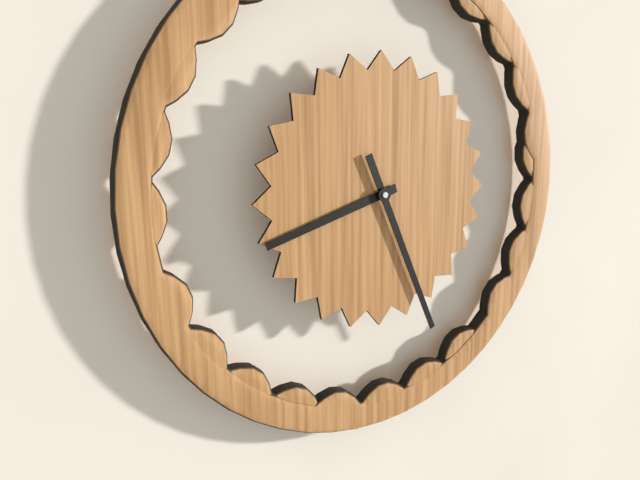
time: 8:26
